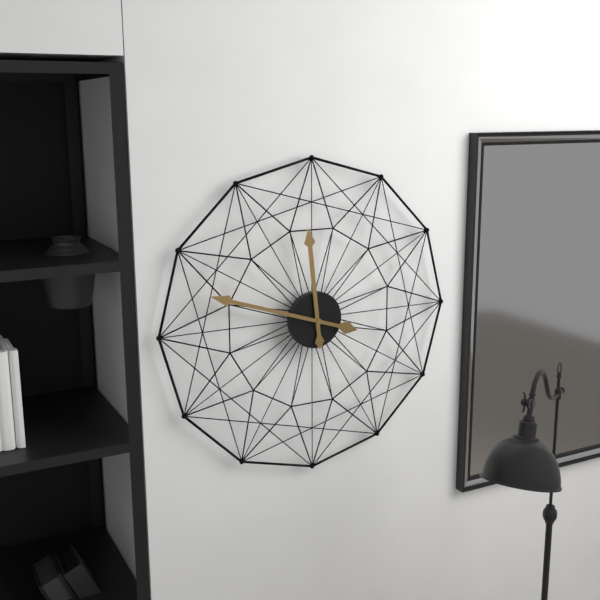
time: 11:48
